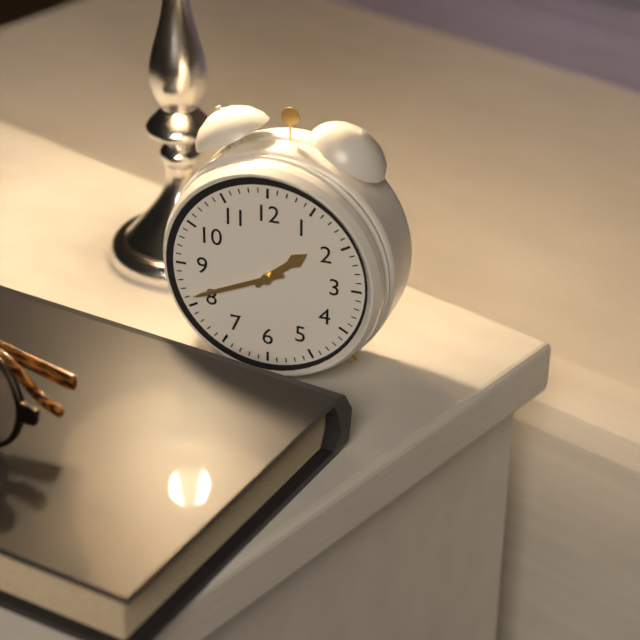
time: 1:41
